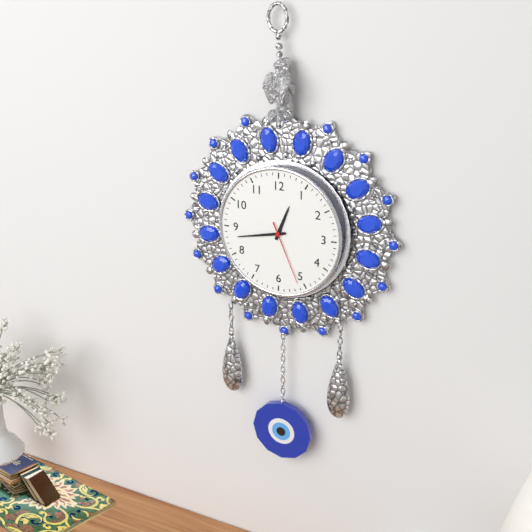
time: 12:43:26
